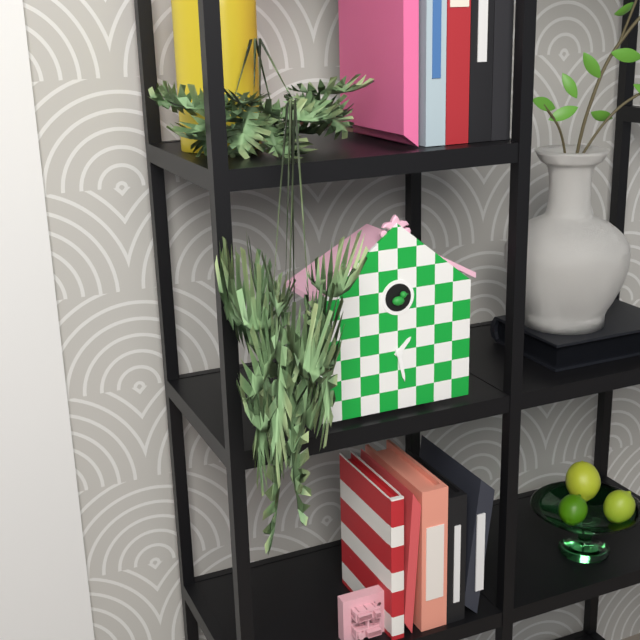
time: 1:28
